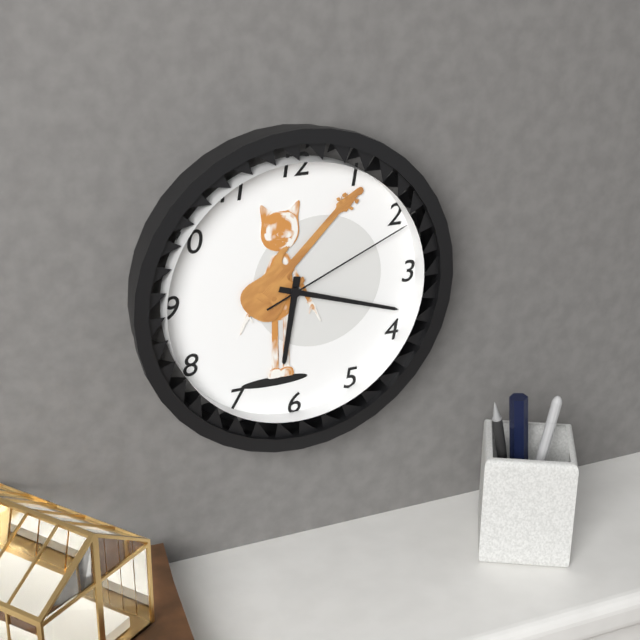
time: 6:18:11
